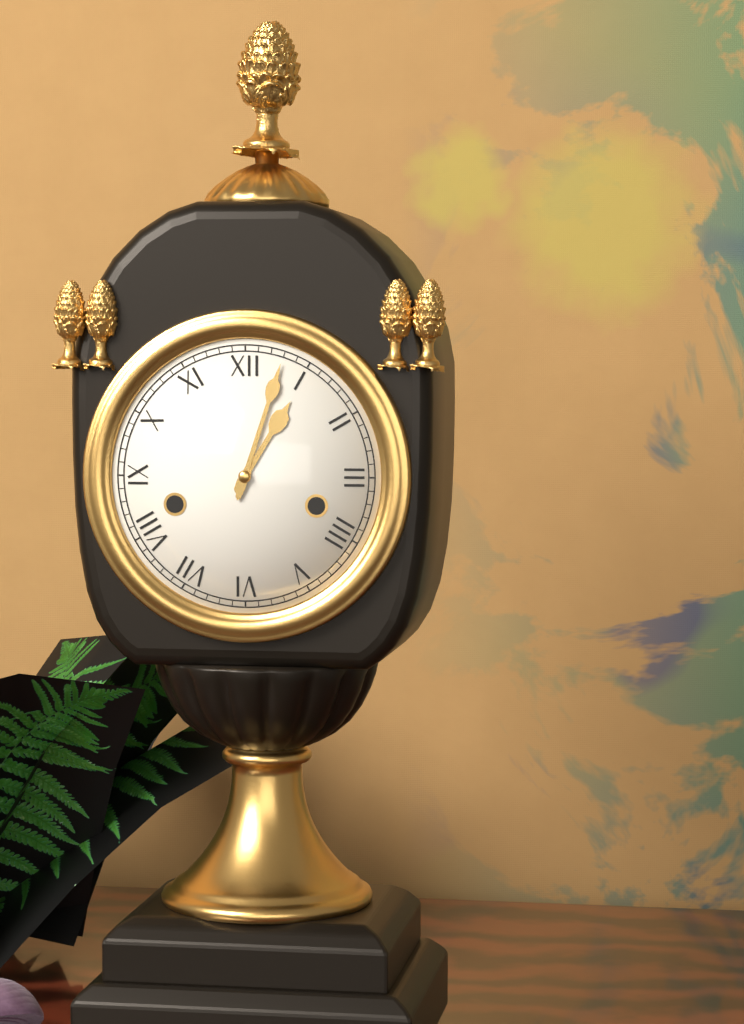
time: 1:03
